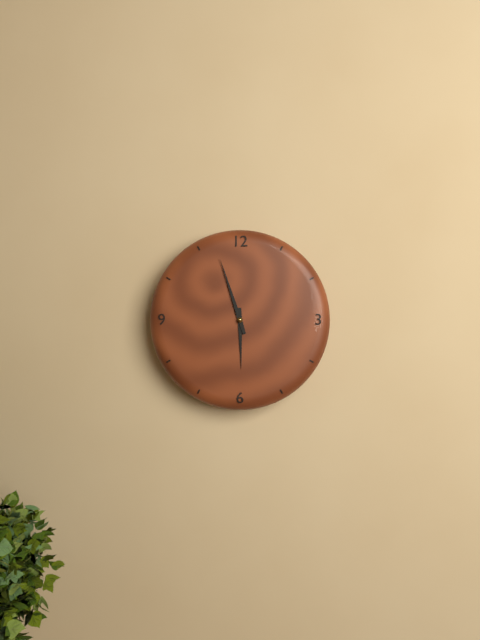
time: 5:57
